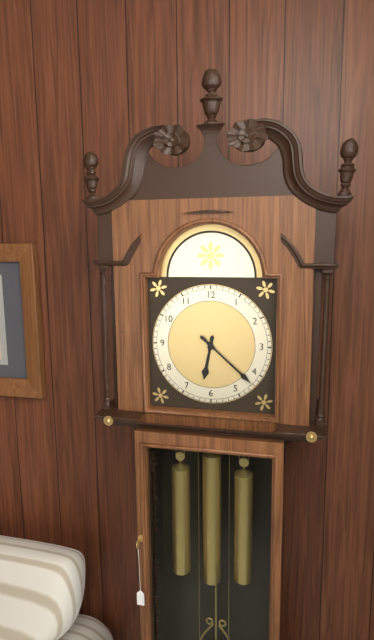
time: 6:22
